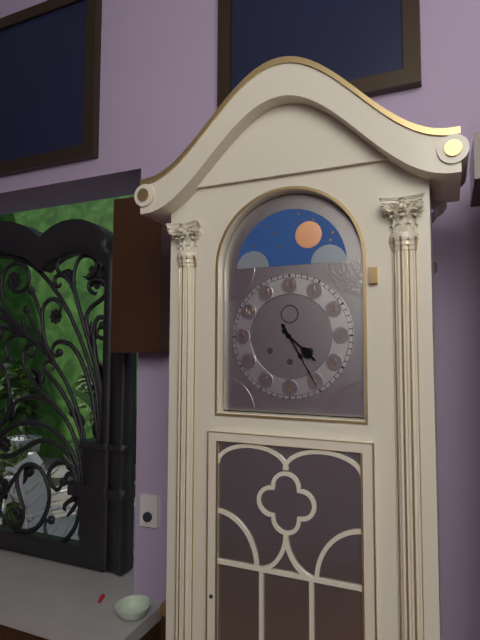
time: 4:25
